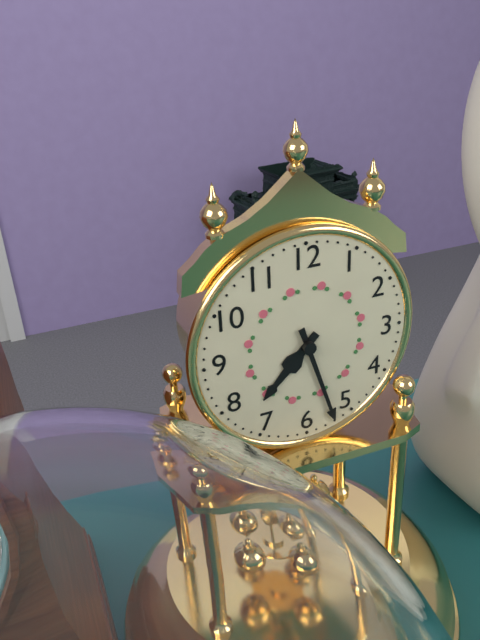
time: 7:27
